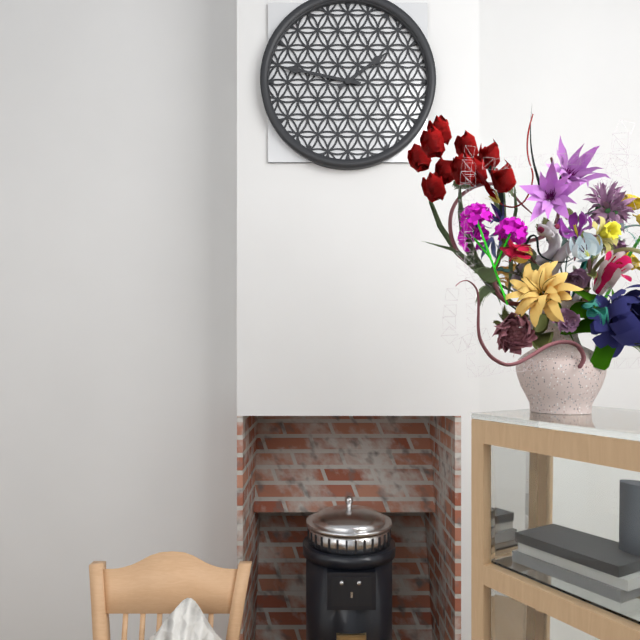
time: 1:47
